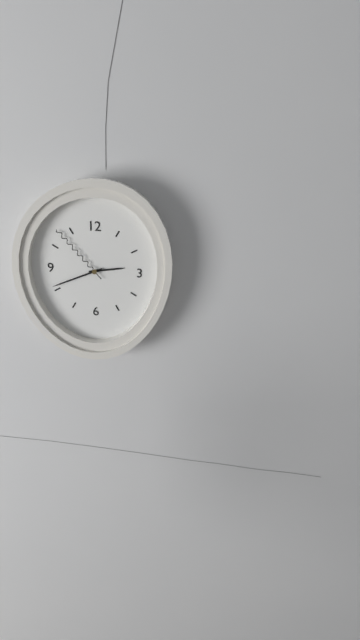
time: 2:41:53
